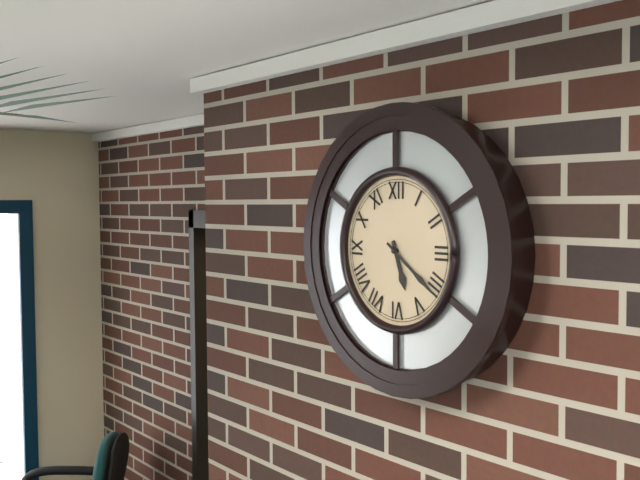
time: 5:21
